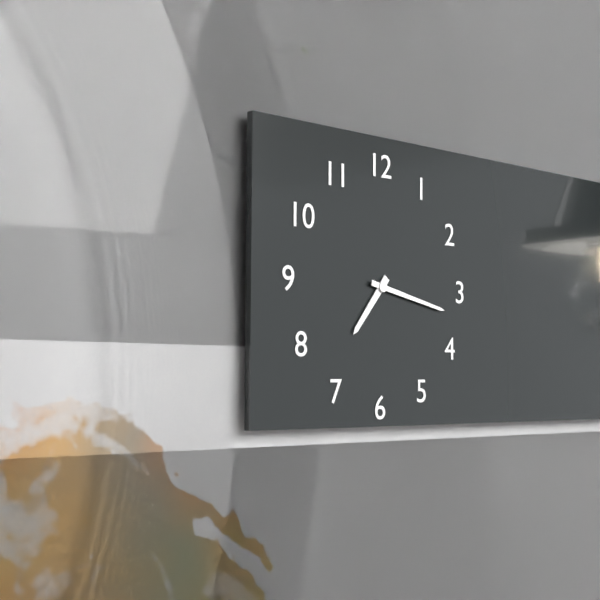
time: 7:17
